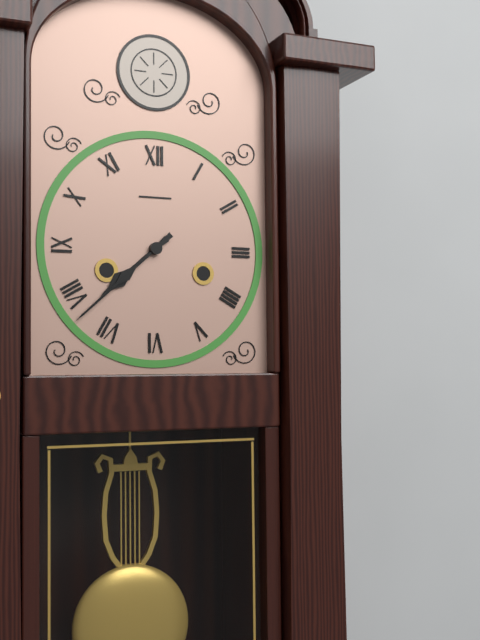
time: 7:38
